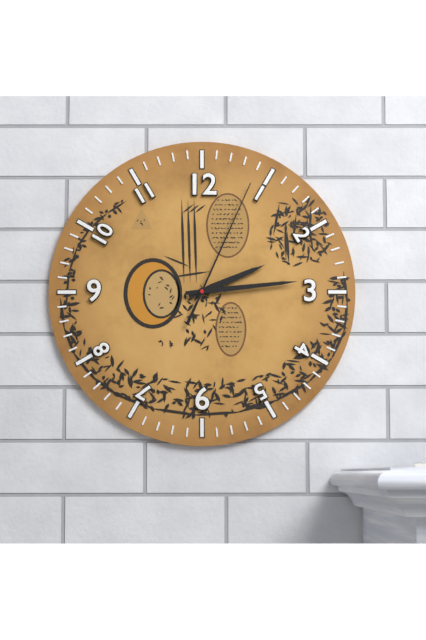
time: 2:14:04
